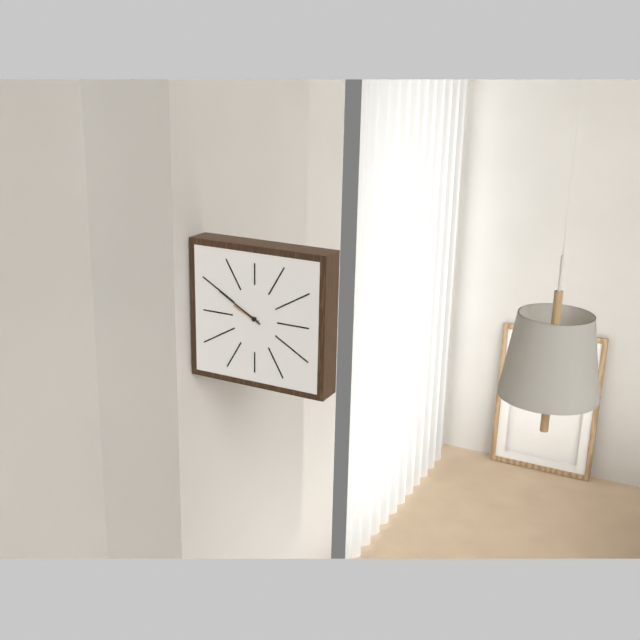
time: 9:50
